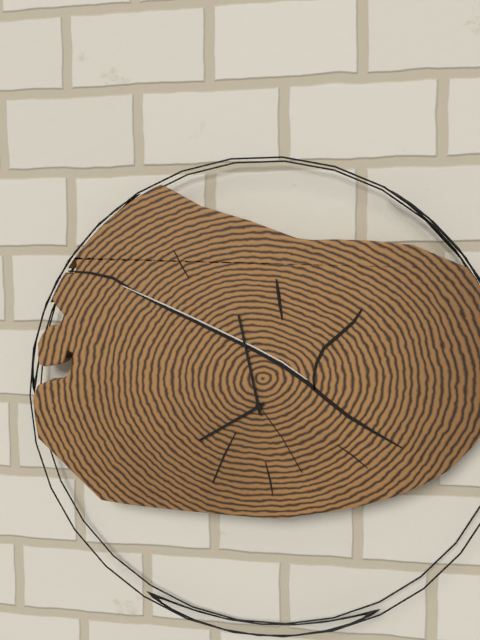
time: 7:58
